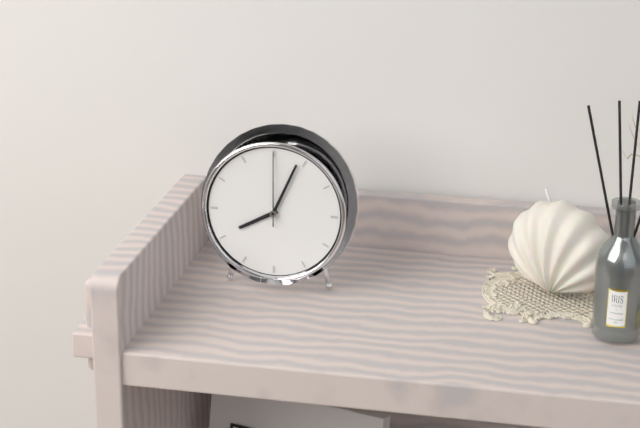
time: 8:04:00
